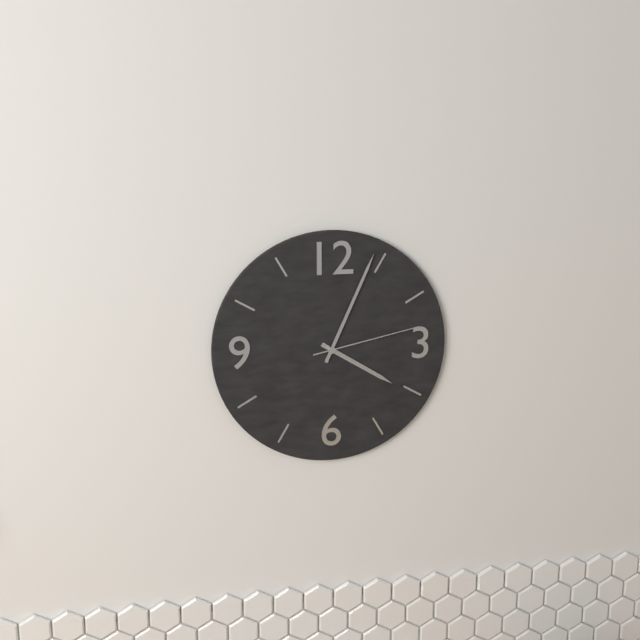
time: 4:04:13
